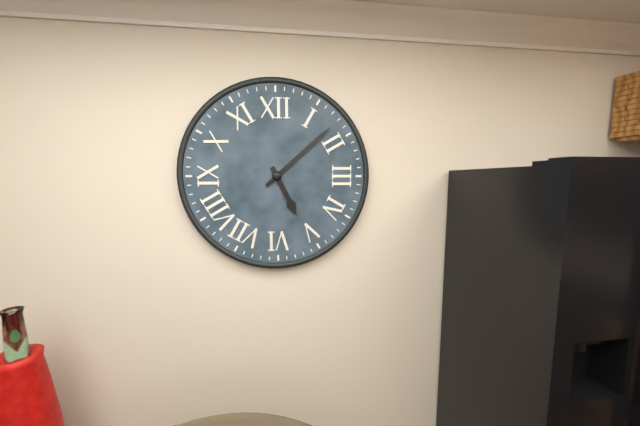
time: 5:08
